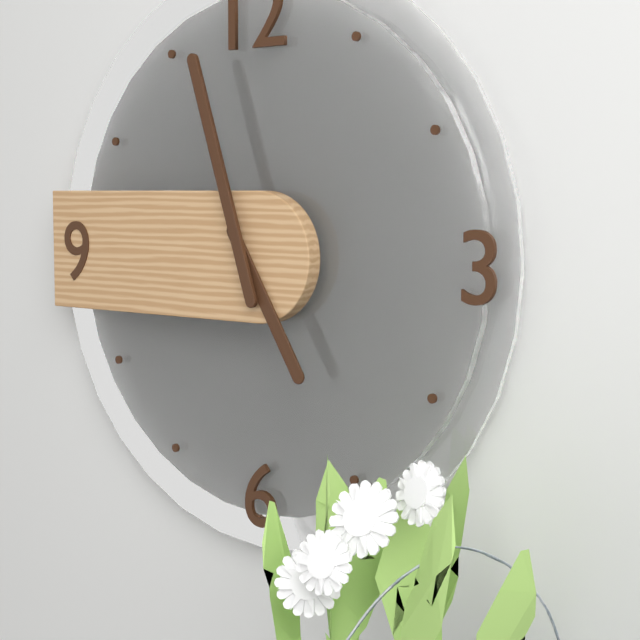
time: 4:57
